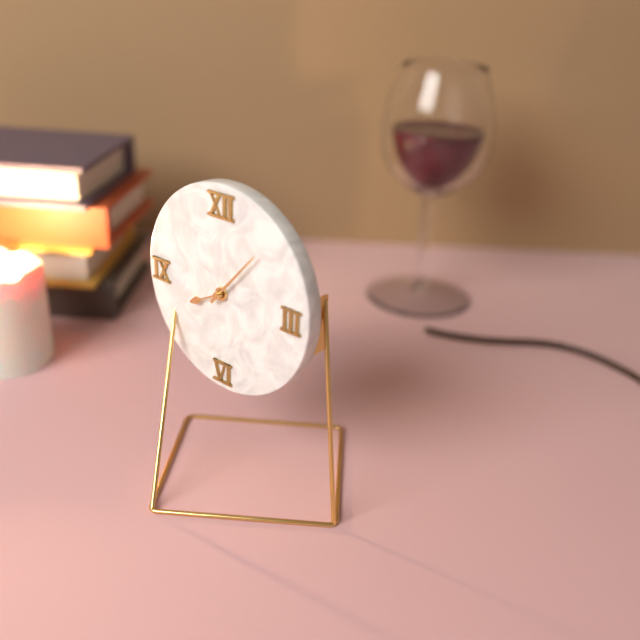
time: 8:07
